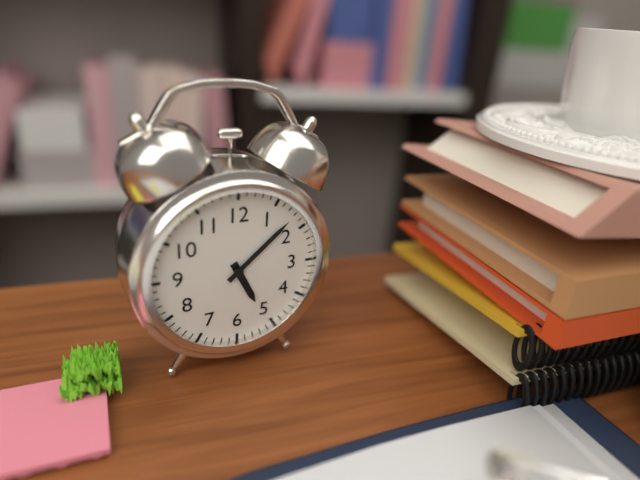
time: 5:08
